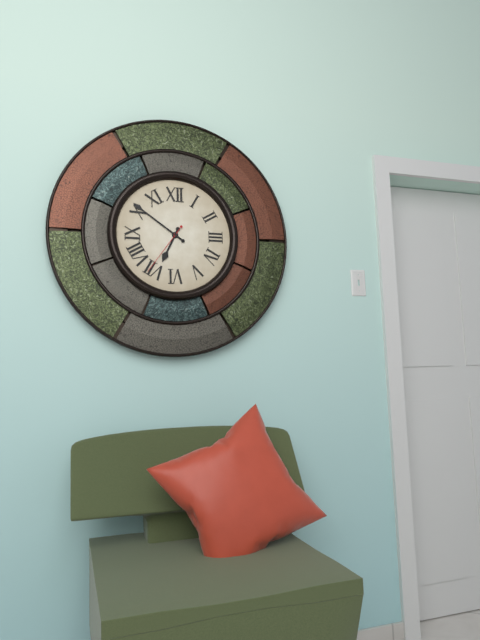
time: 6:51:36
